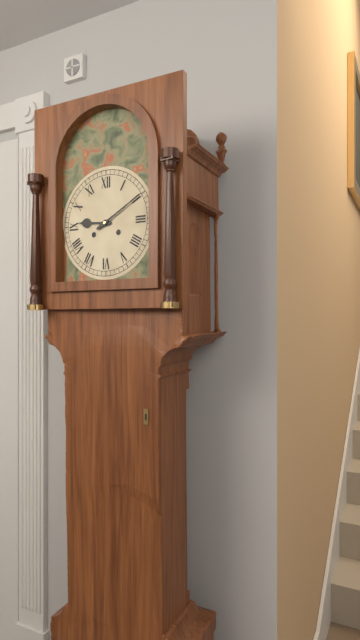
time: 9:10
